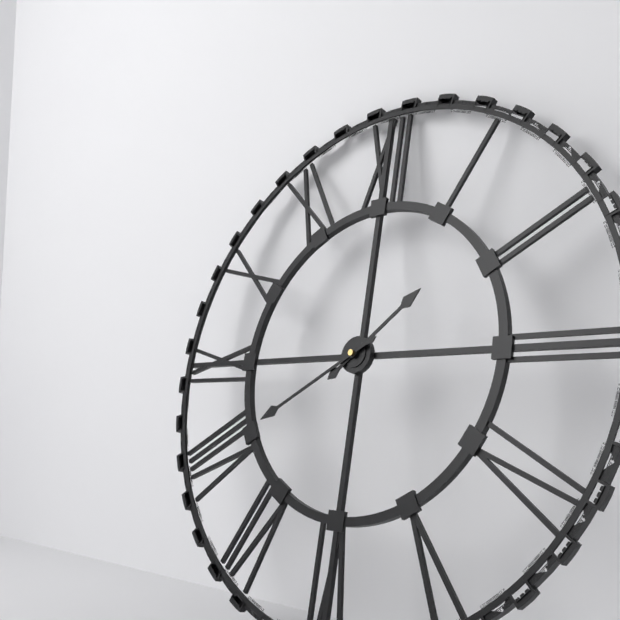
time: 1:40
